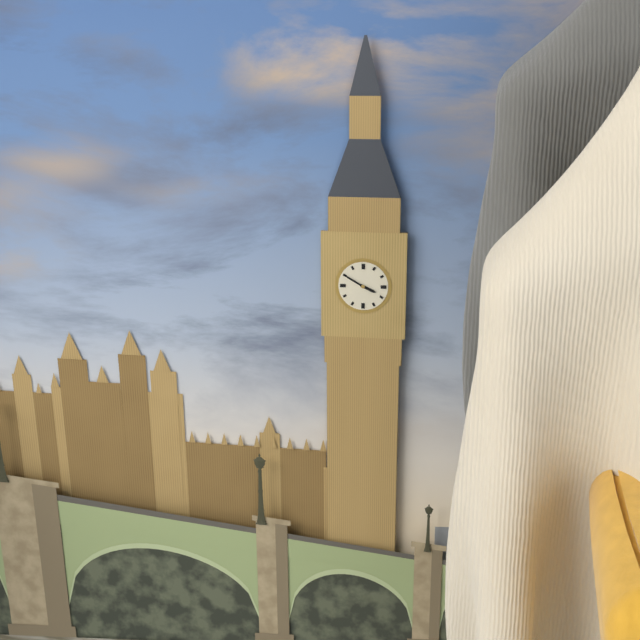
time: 3:50
